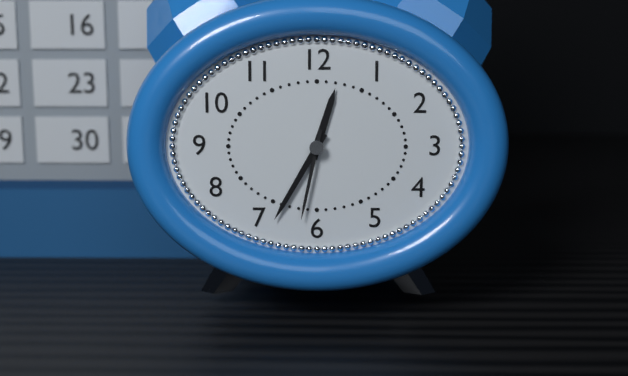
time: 12:35:32
